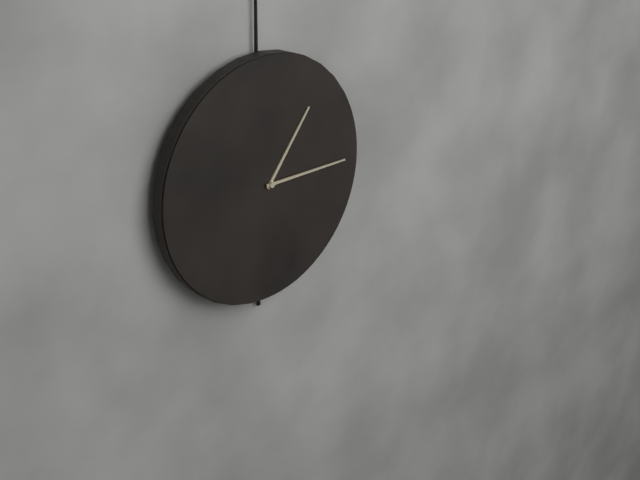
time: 1:15
